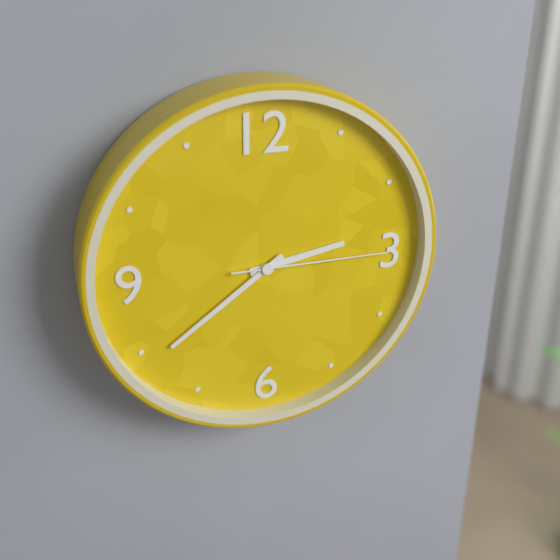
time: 2:39:15
